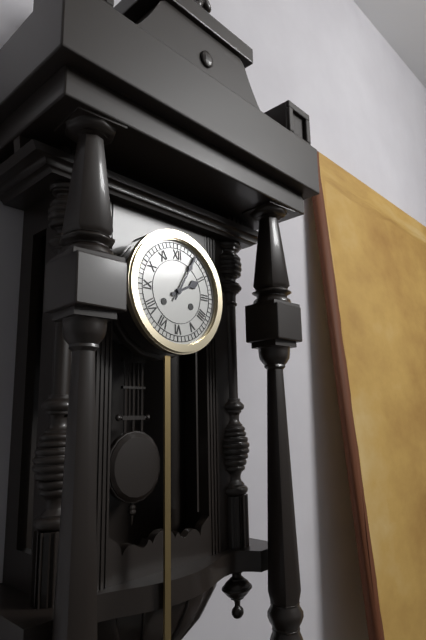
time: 2:05
